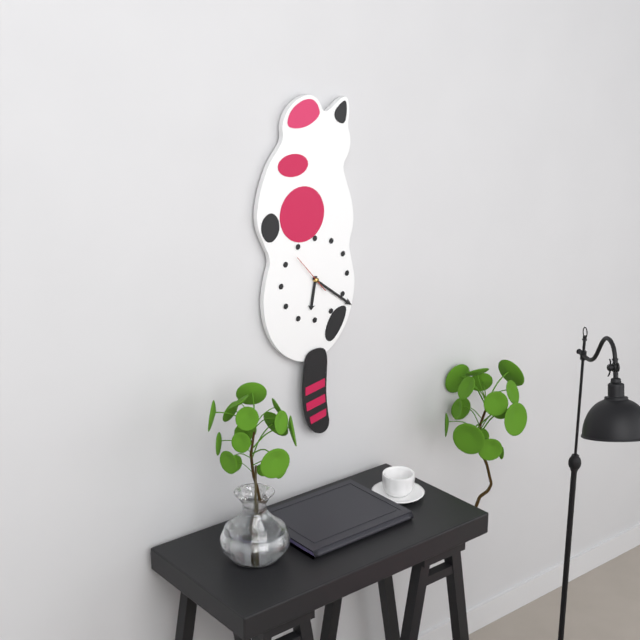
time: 6:21
